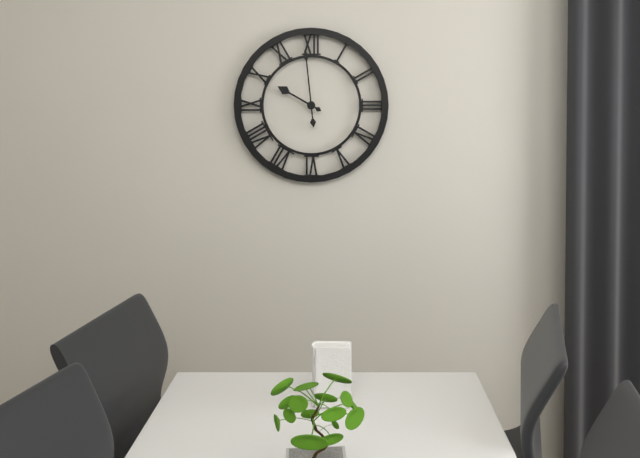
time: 9:59
